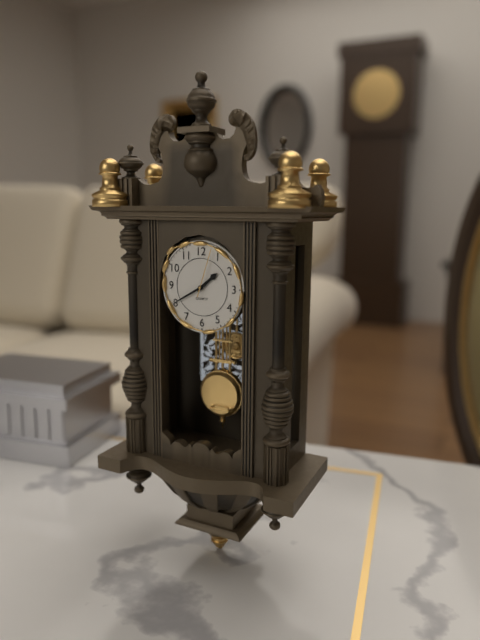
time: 1:40
